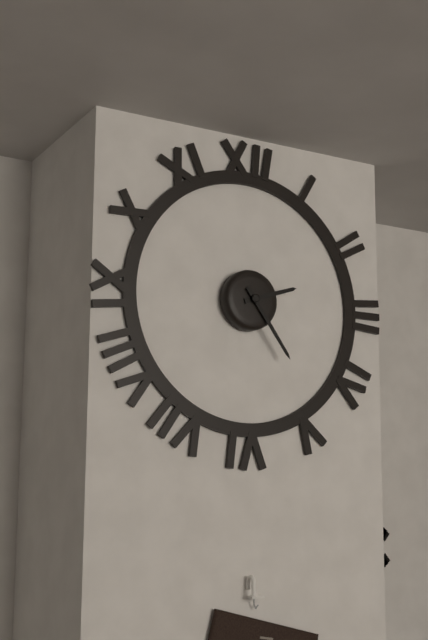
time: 2:24
